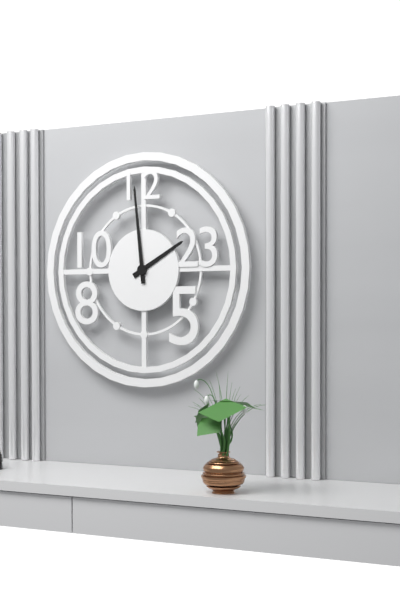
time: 1:59
